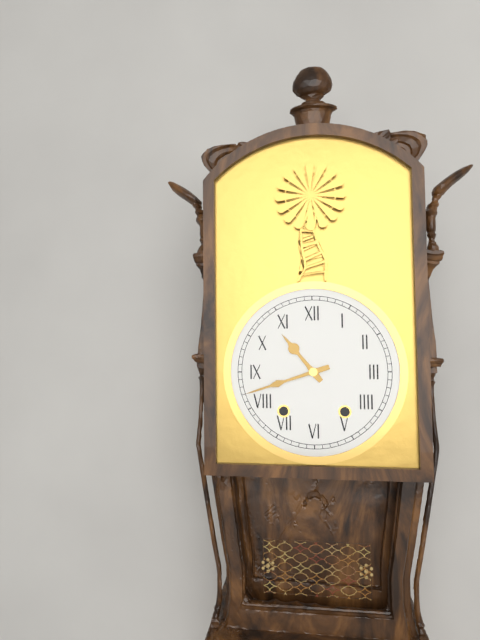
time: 10:42
